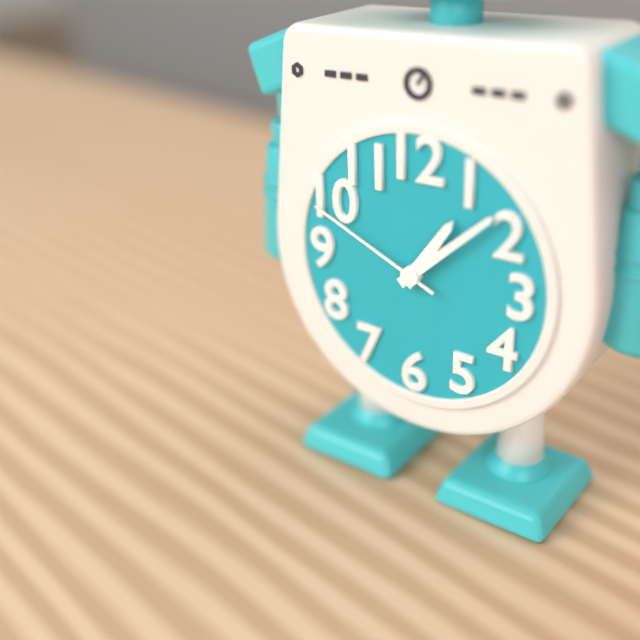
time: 1:08:49
